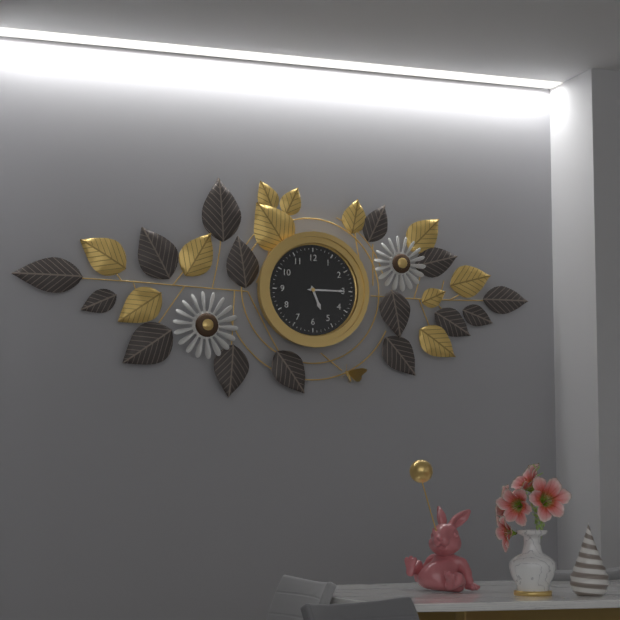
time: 5:15
